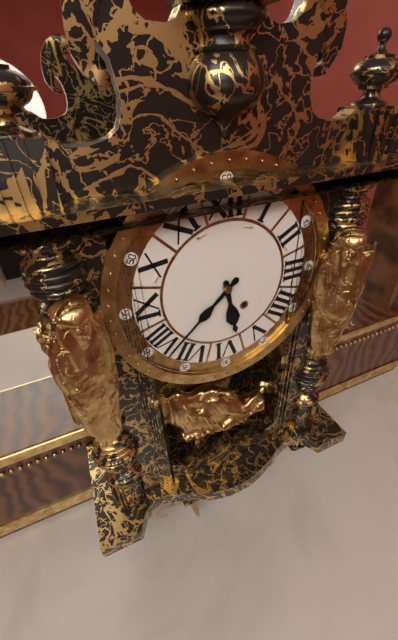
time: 5:38
